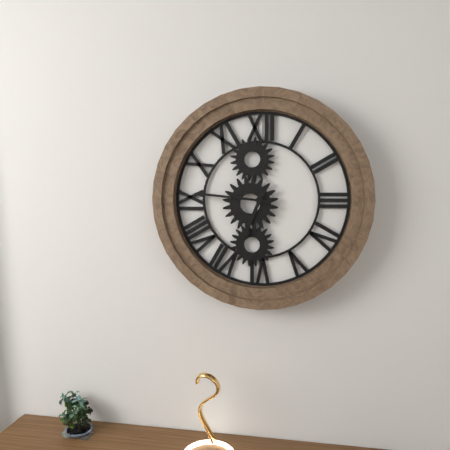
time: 6:46
